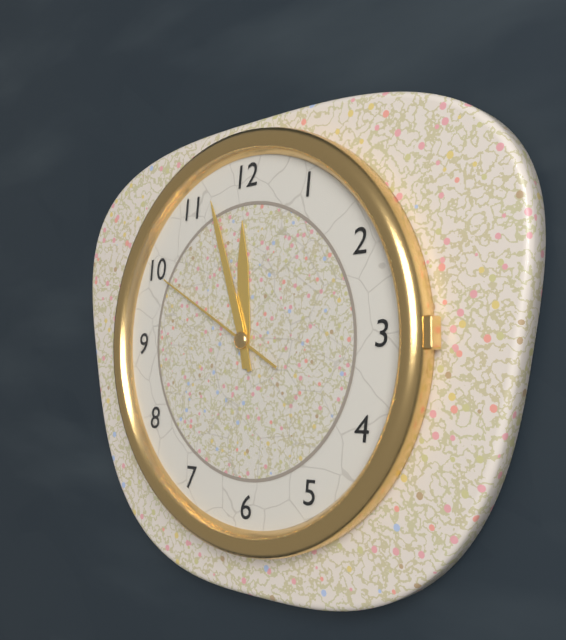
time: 11:57:50
